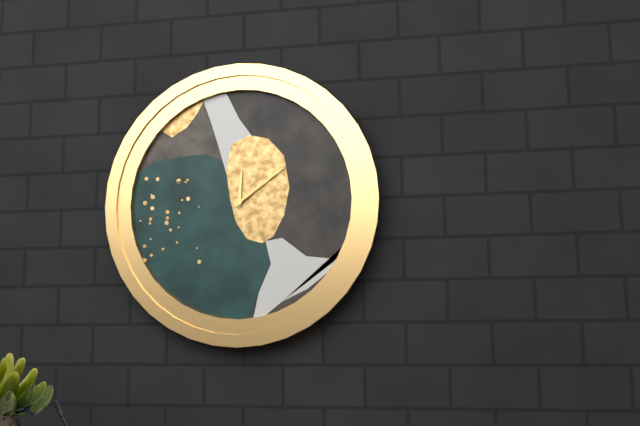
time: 12:09
